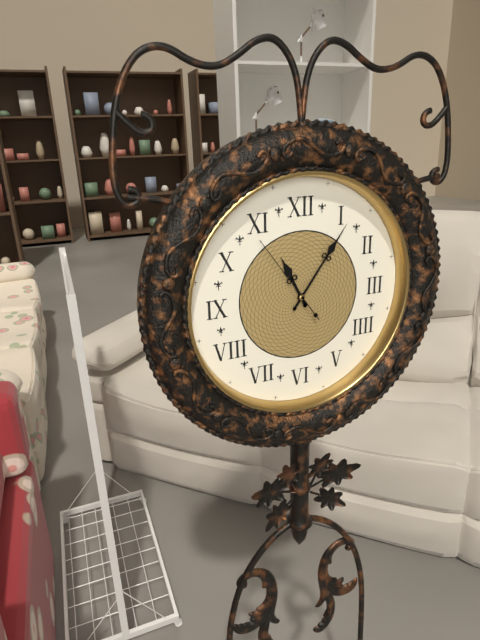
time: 11:06:54
